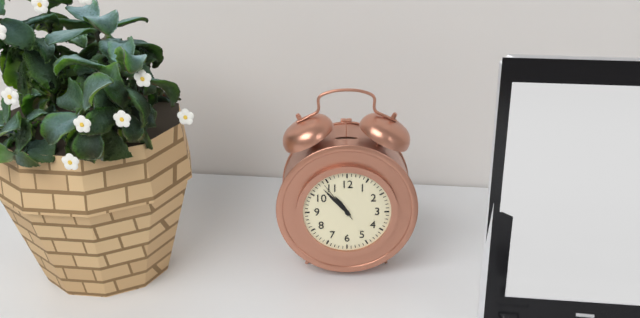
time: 10:53
